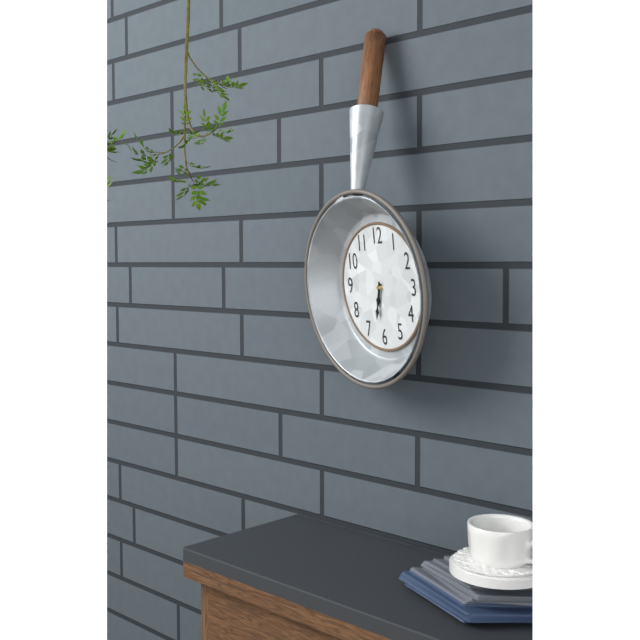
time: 6:32
